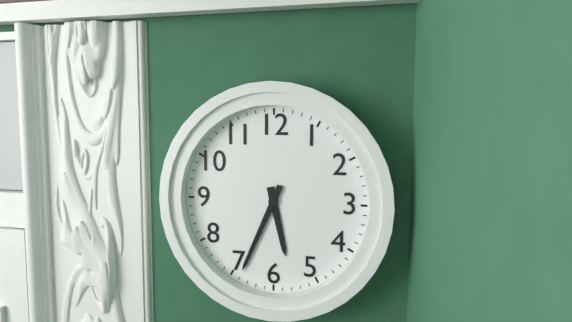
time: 5:34
